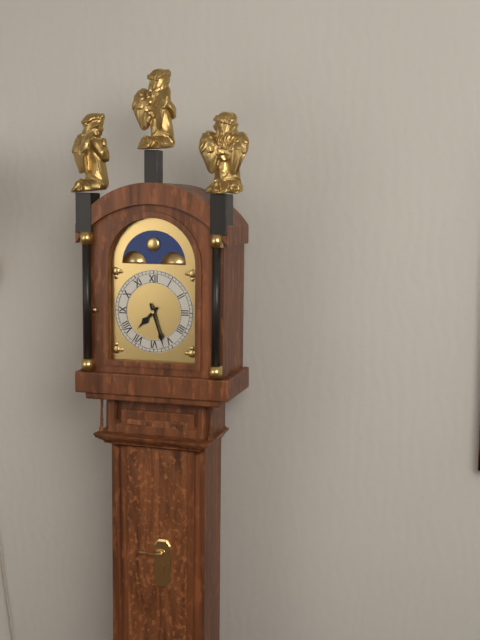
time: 7:27
